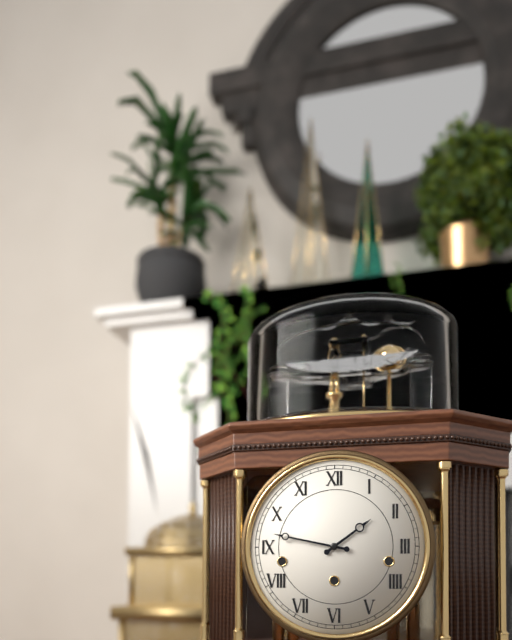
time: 1:47
